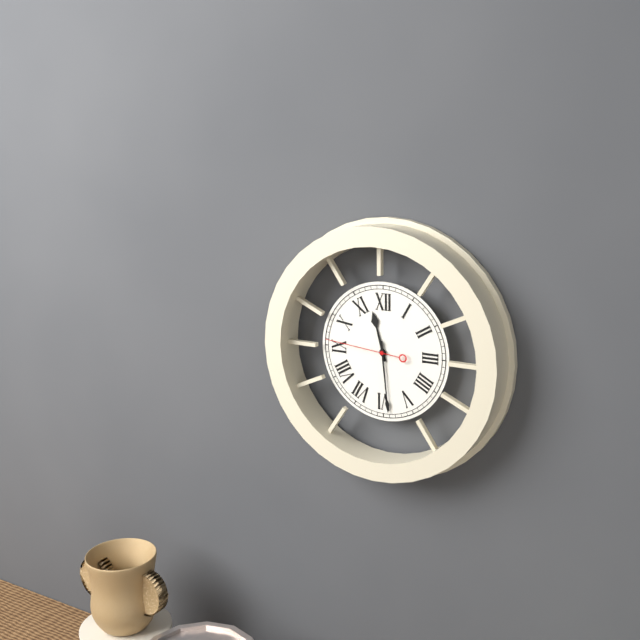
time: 11:29:46
